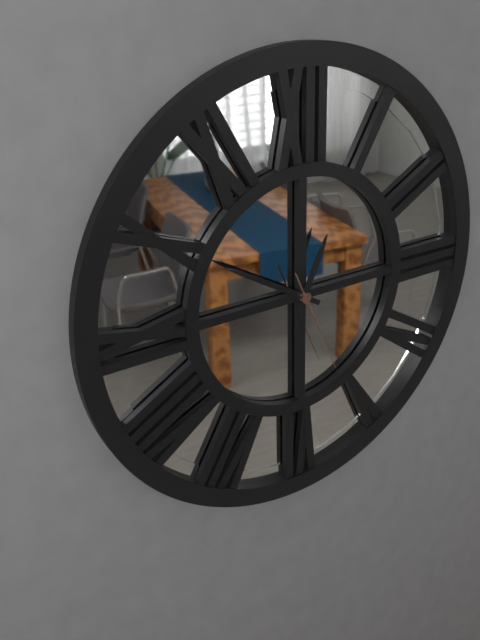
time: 12:50:26
